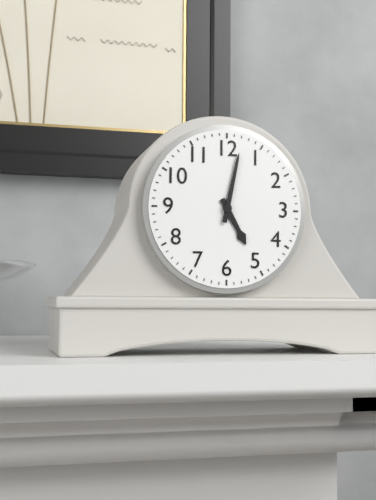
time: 5:02
